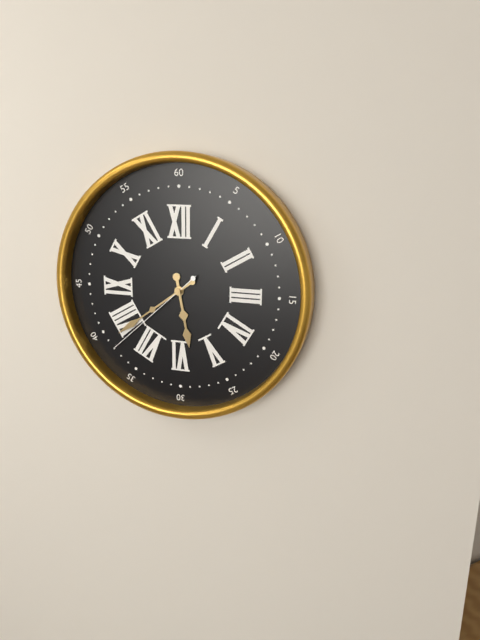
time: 5:39:38
